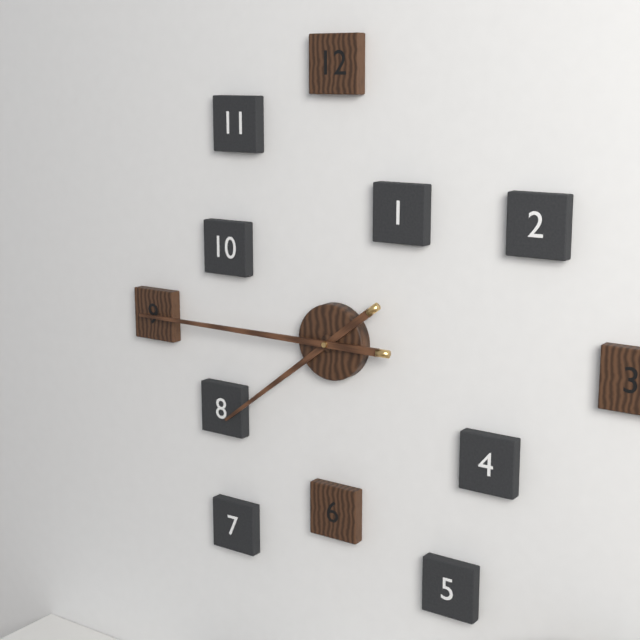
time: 7:45
